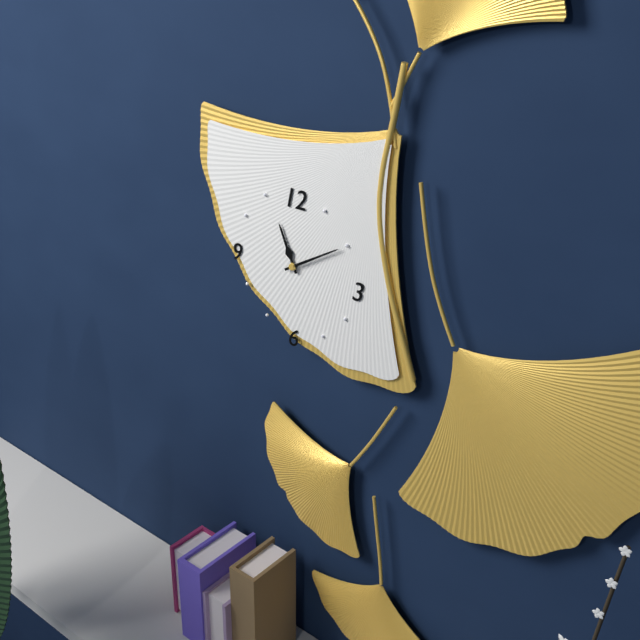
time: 11:10
